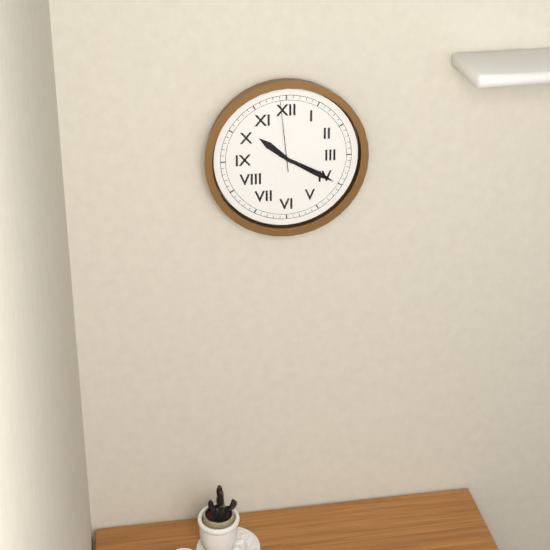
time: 10:20:59
